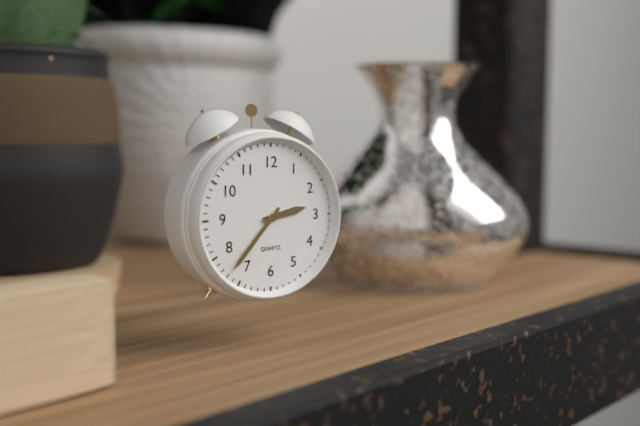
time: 2:37
